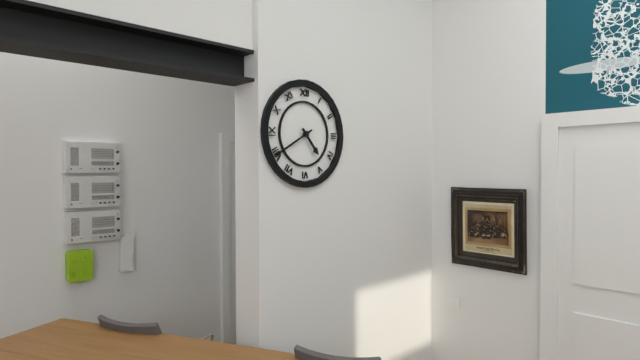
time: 4:40
